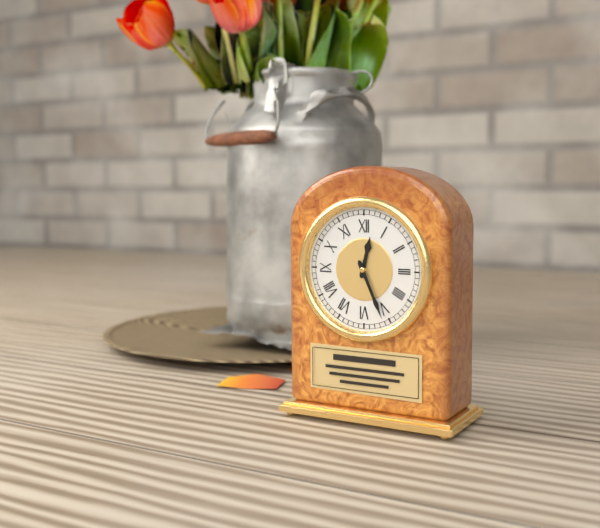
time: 12:26
